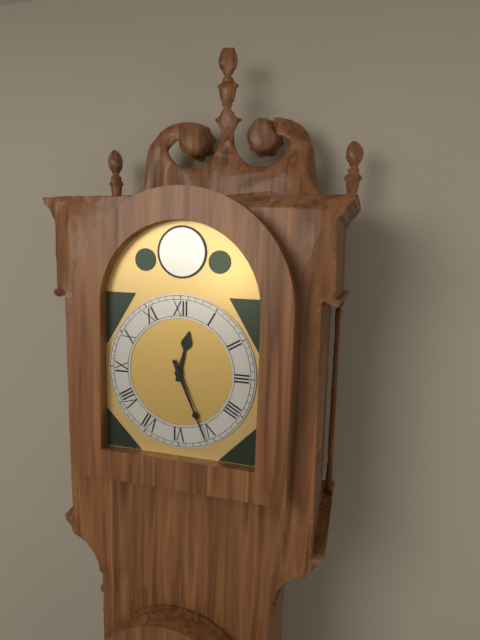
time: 12:26
